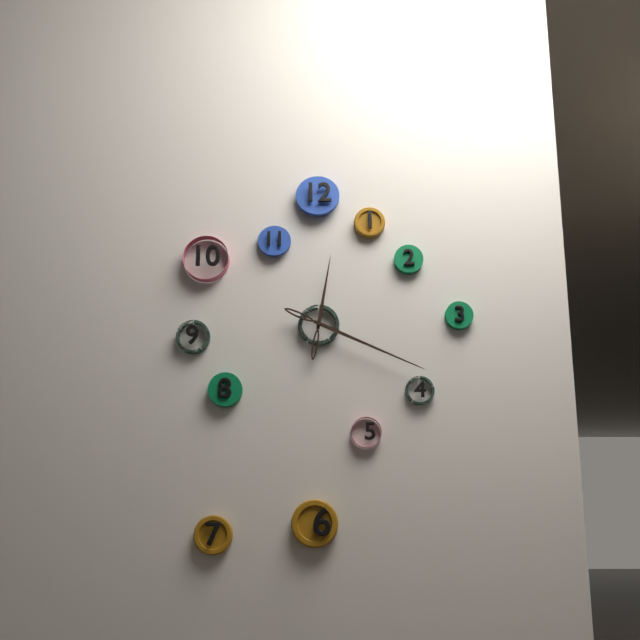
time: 12:19
